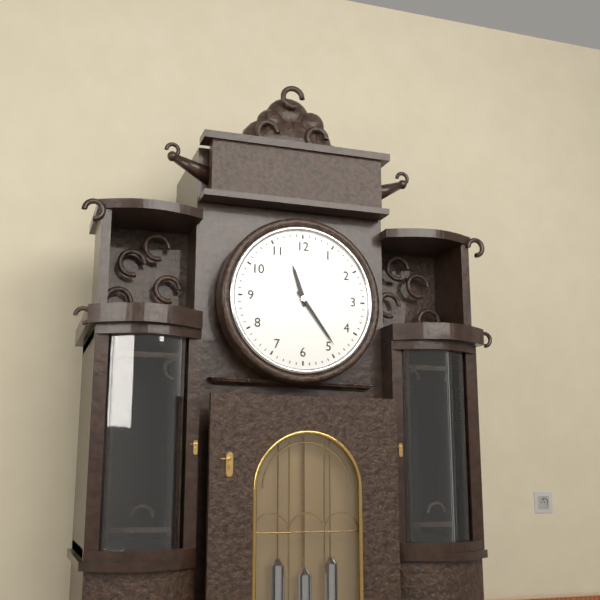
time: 11:24
